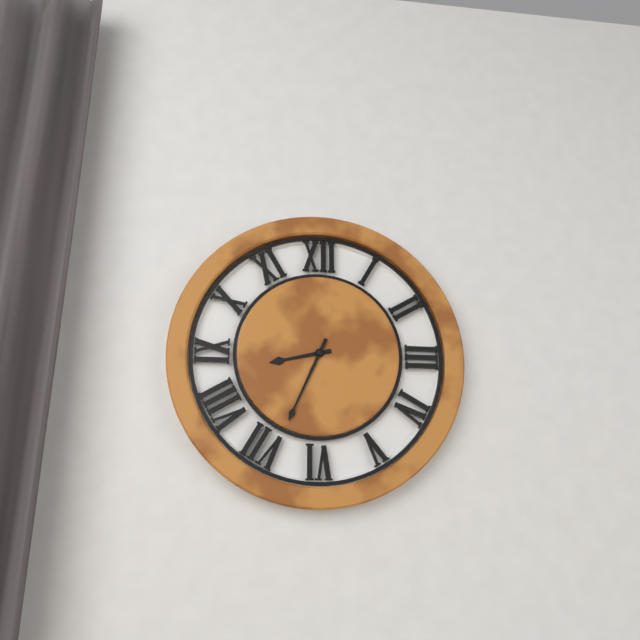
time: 8:34
